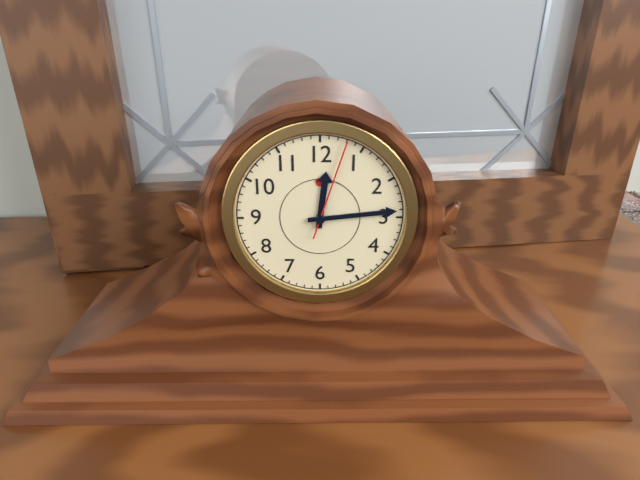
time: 12:14:03
